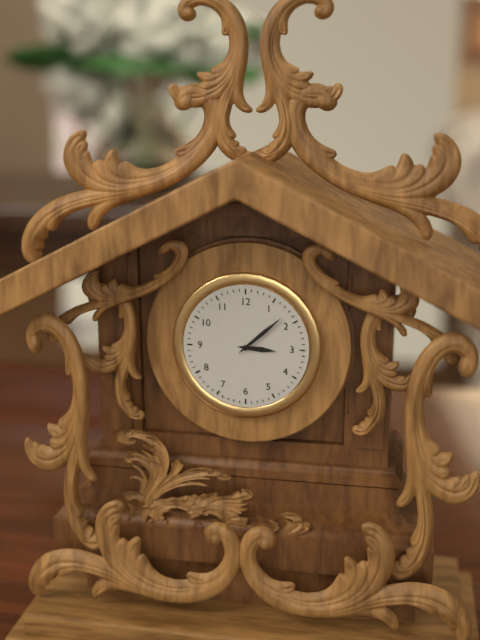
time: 3:08
